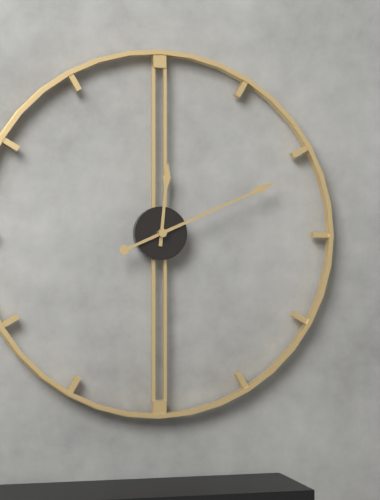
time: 12:11
